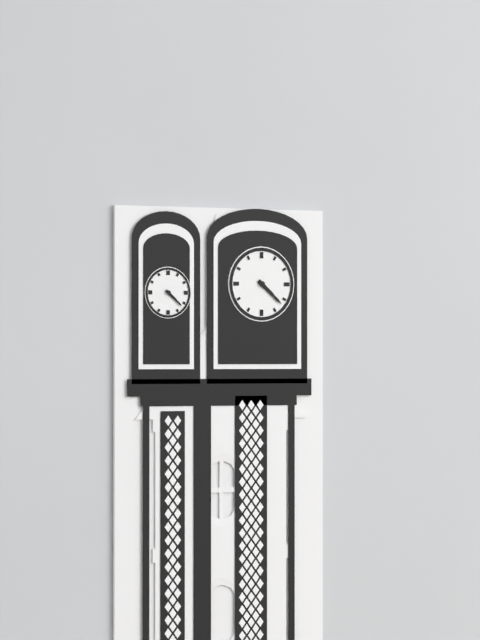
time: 4:22
